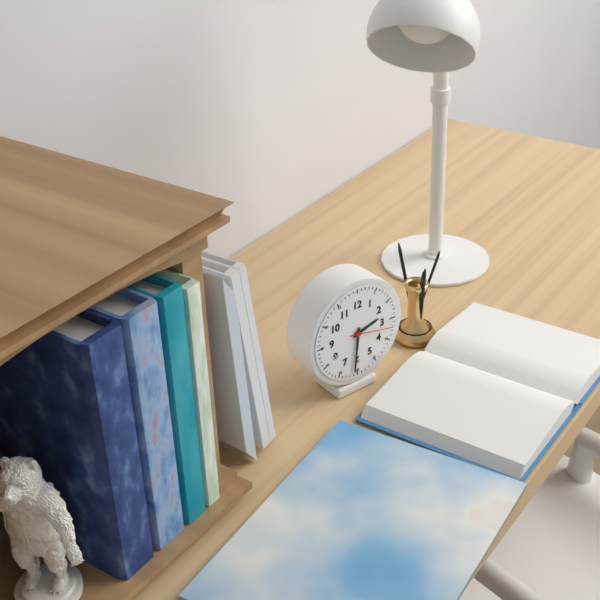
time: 2:31
